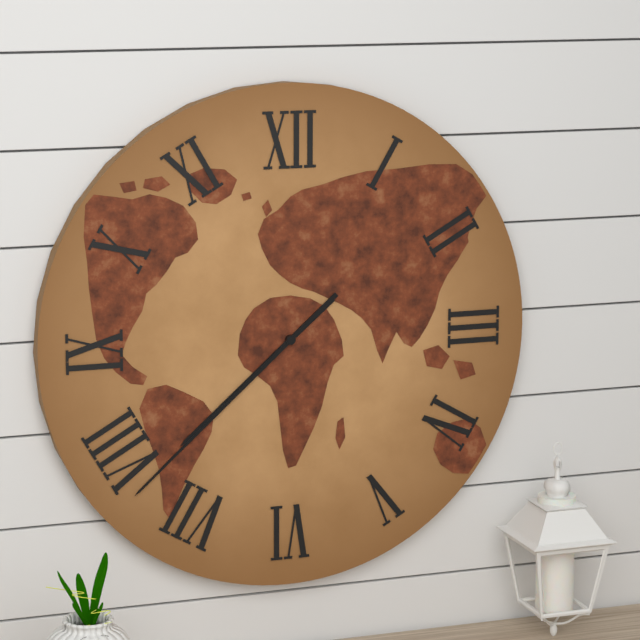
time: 7:38
